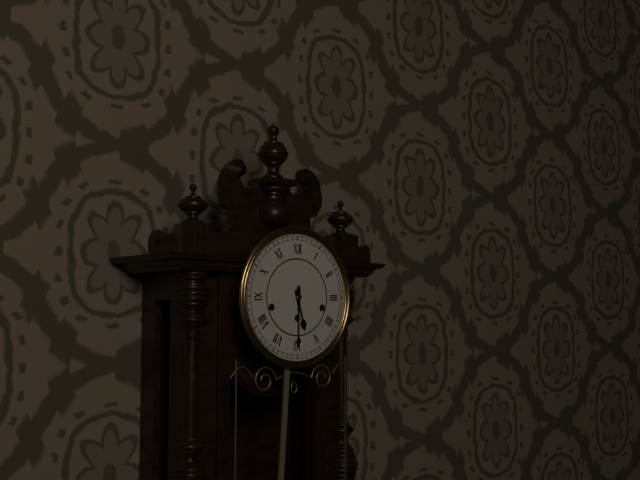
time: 5:30
